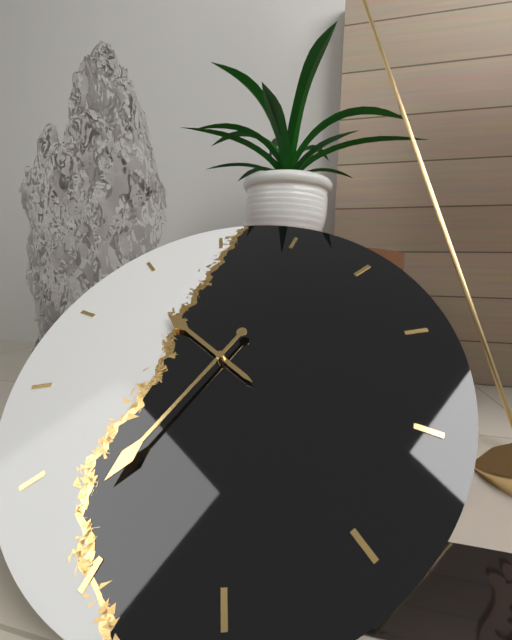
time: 10:37
